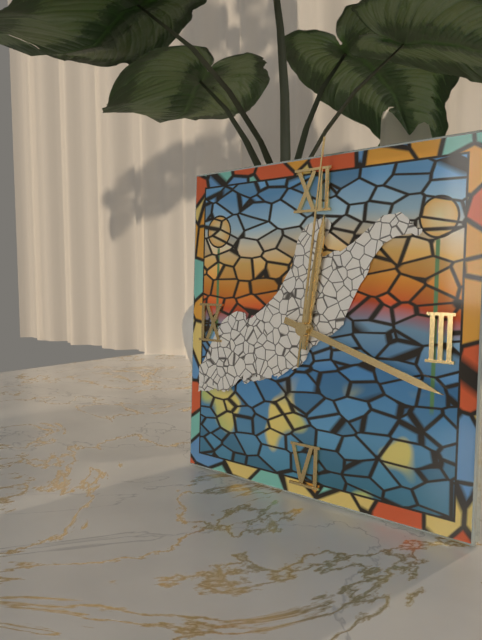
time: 12:18:01
